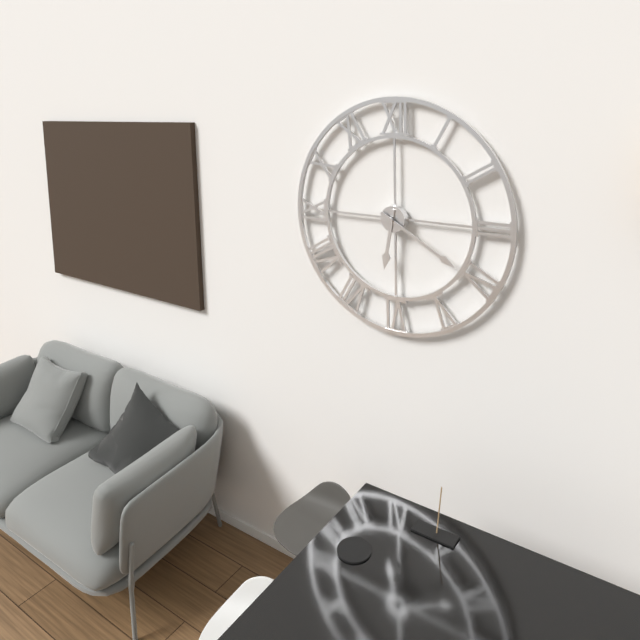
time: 6:20
